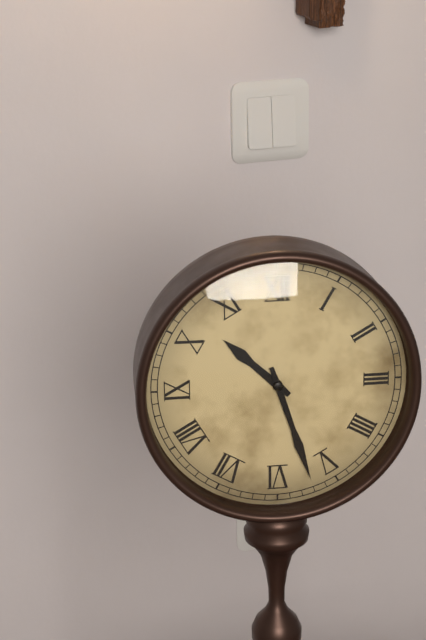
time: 10:27
